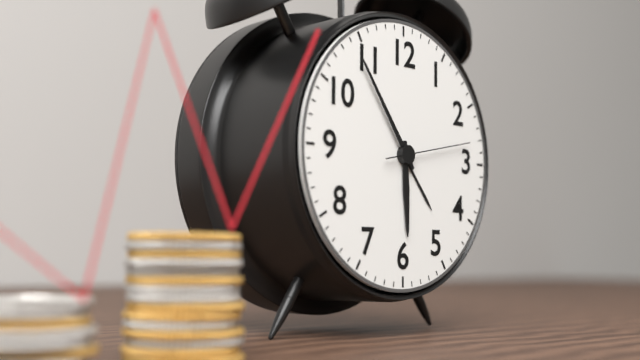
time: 5:54:13
